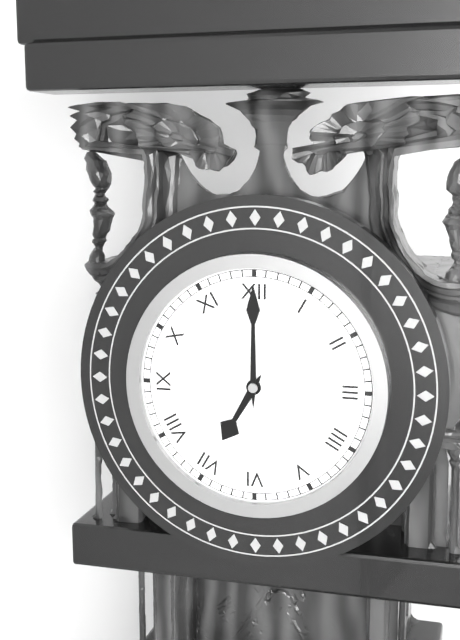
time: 7:00
